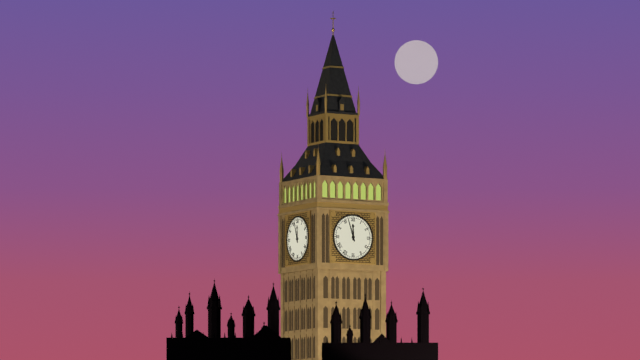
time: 11:57
